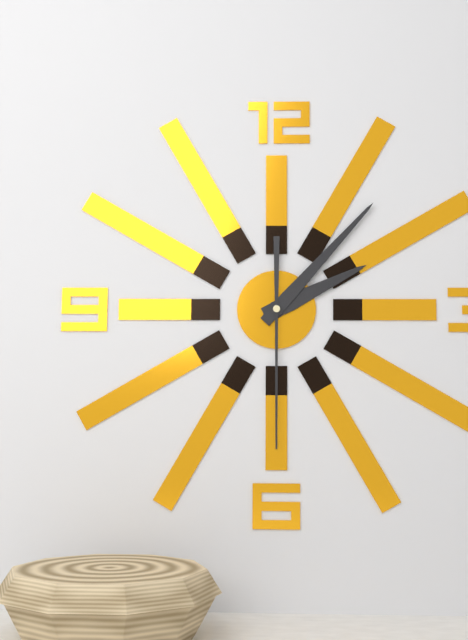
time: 2:07:30
